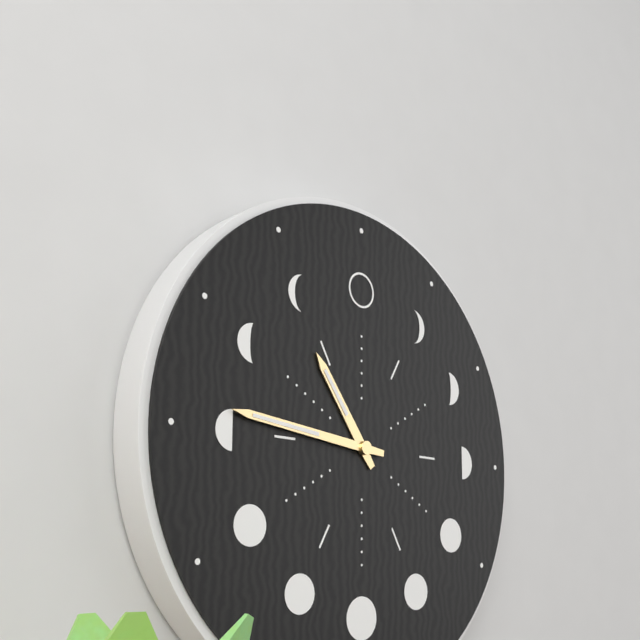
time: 10:46
